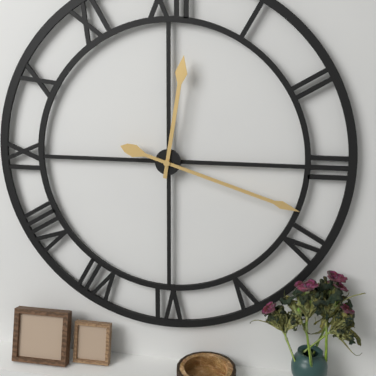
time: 12:18
